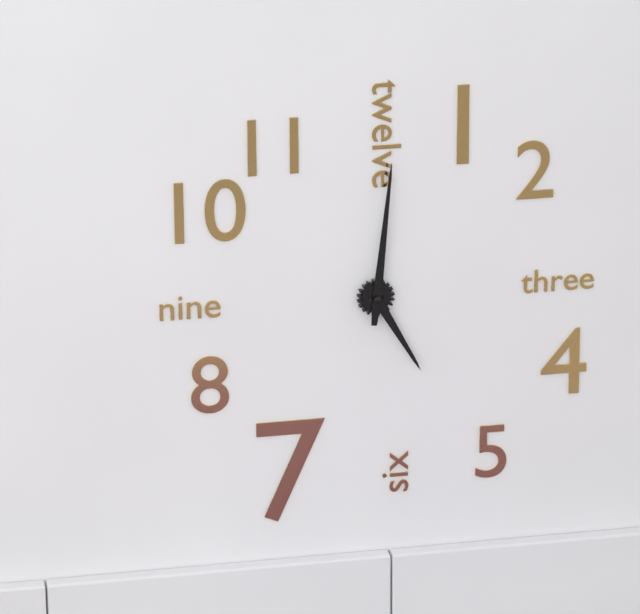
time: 5:01
